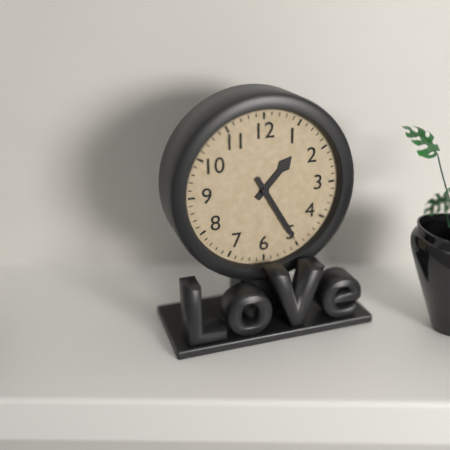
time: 1:25
